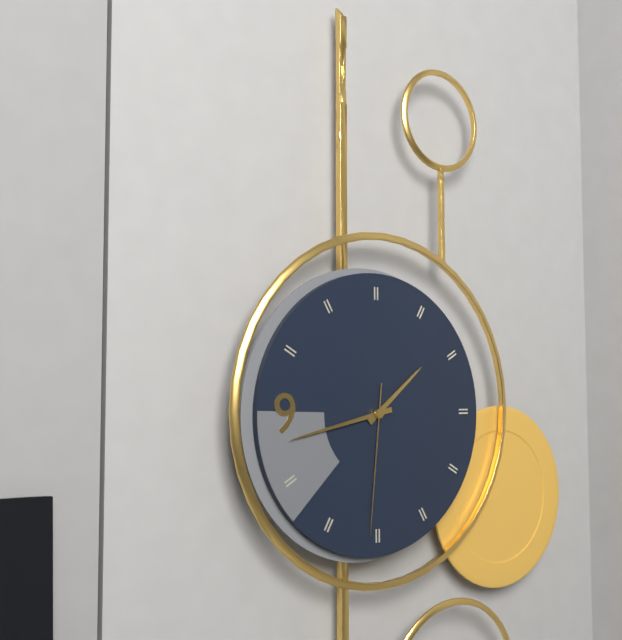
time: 1:43:31
